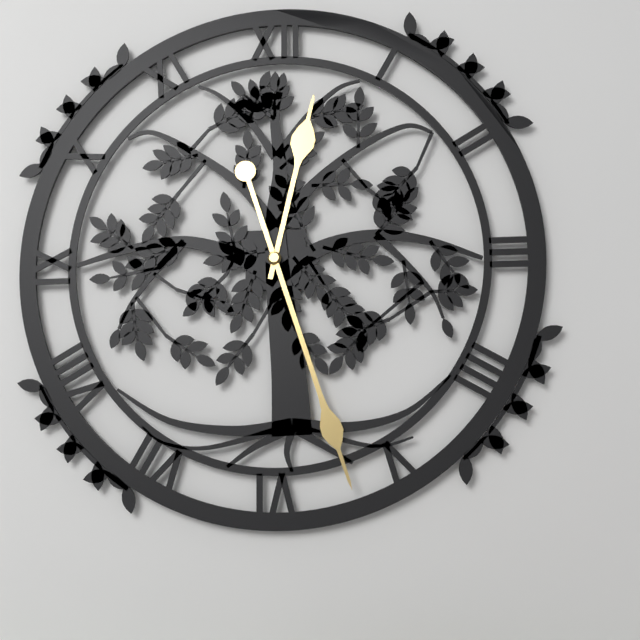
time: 12:27
